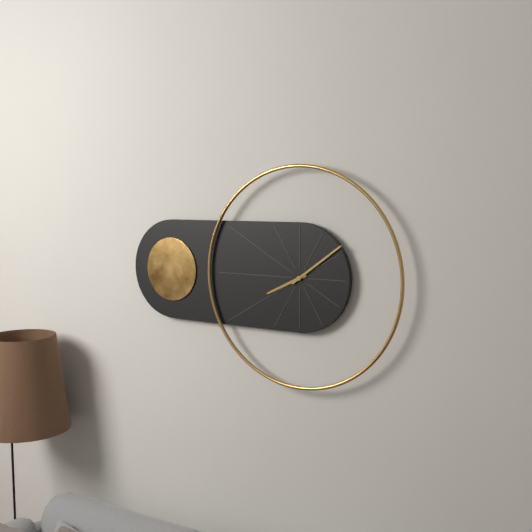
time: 8:09
